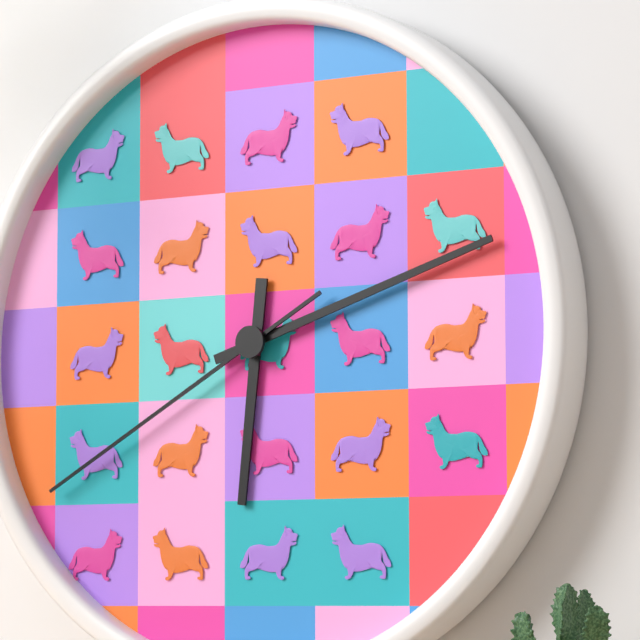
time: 6:12:40
